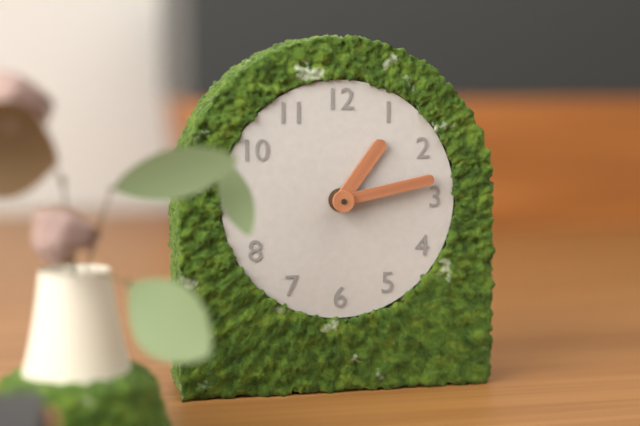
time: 1:13
